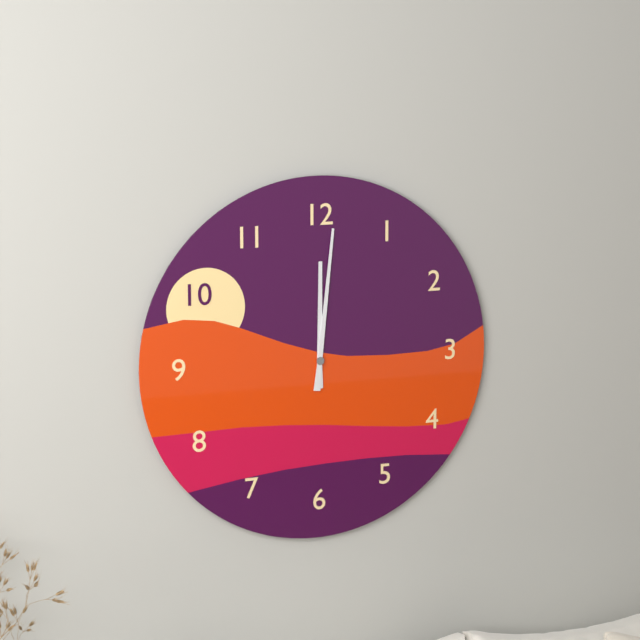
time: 12:01
